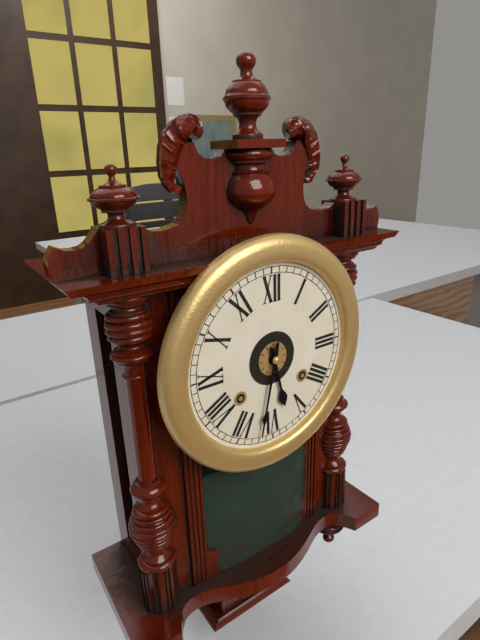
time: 5:32
